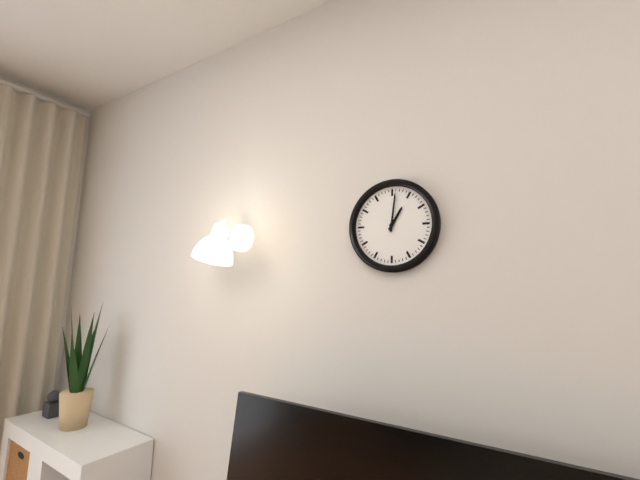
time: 1:01
